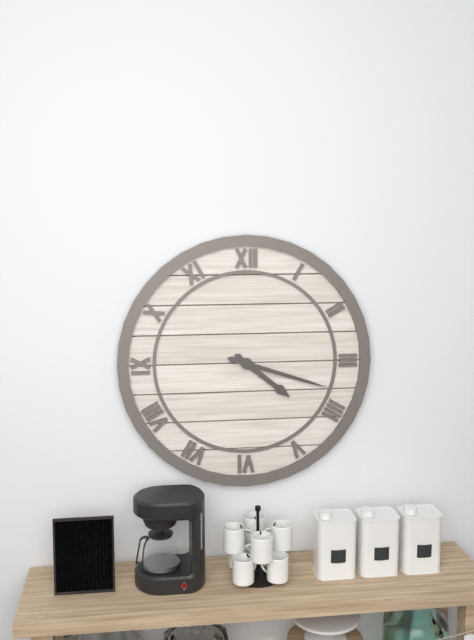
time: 4:18
